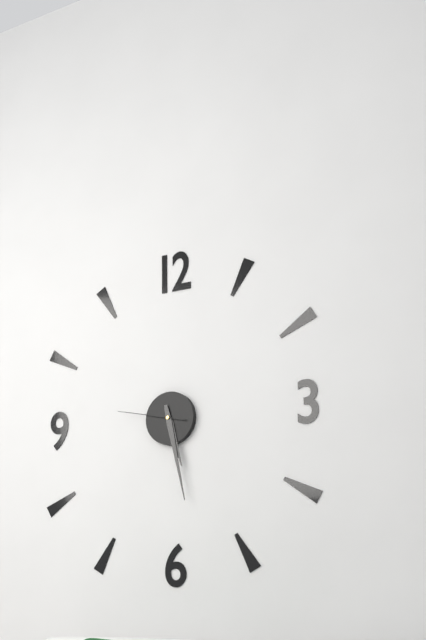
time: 5:28:47
